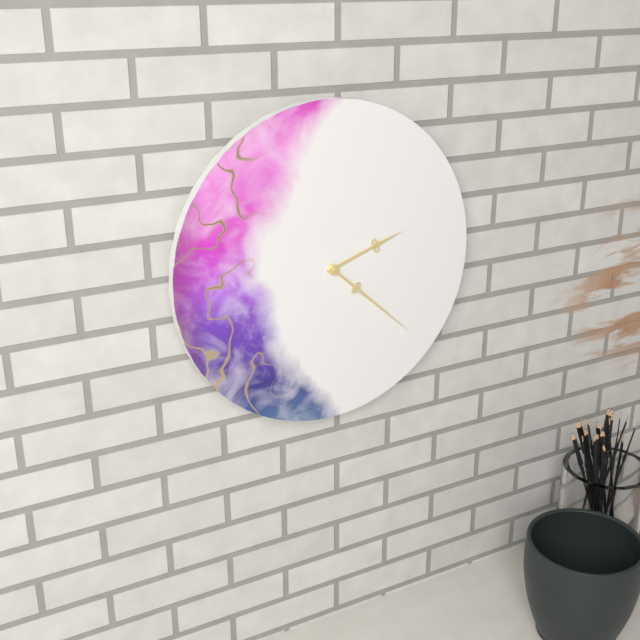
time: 2:22
